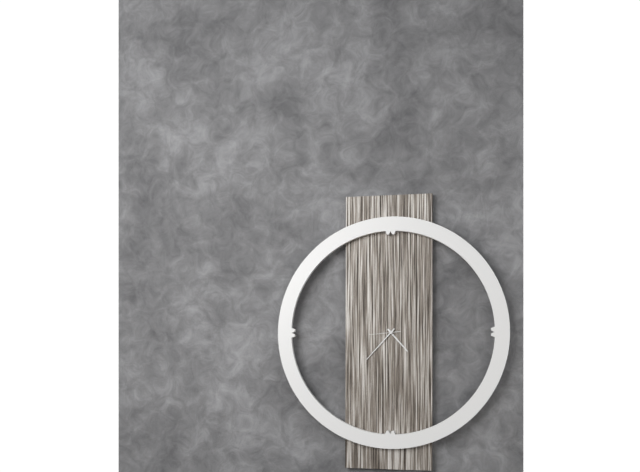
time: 4:37
